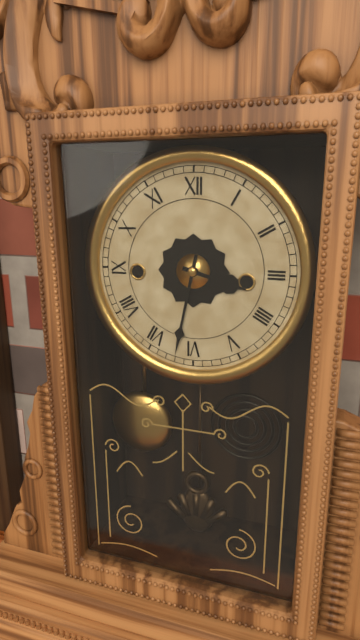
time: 3:32
